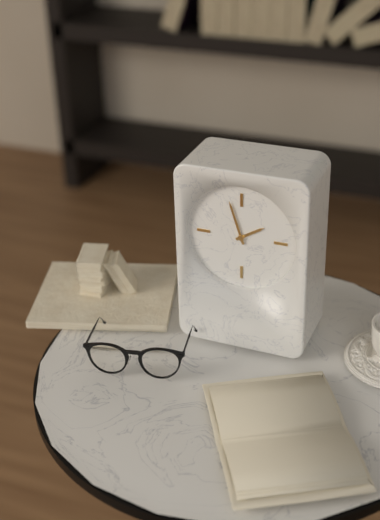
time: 1:57
